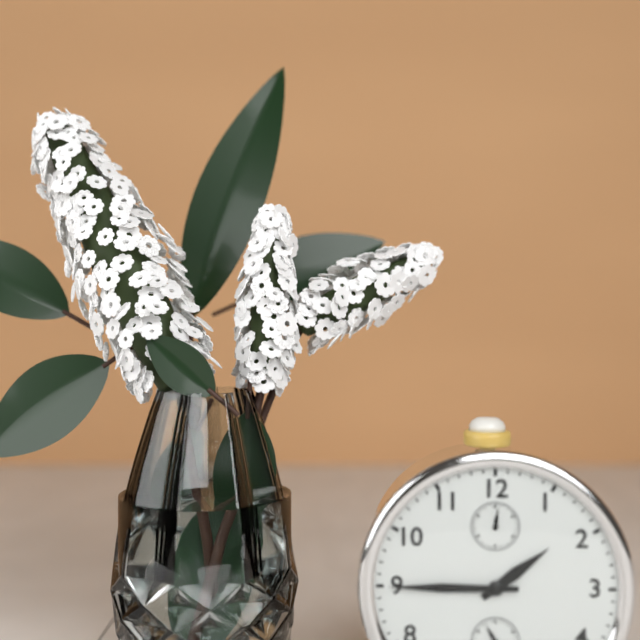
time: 1:45
